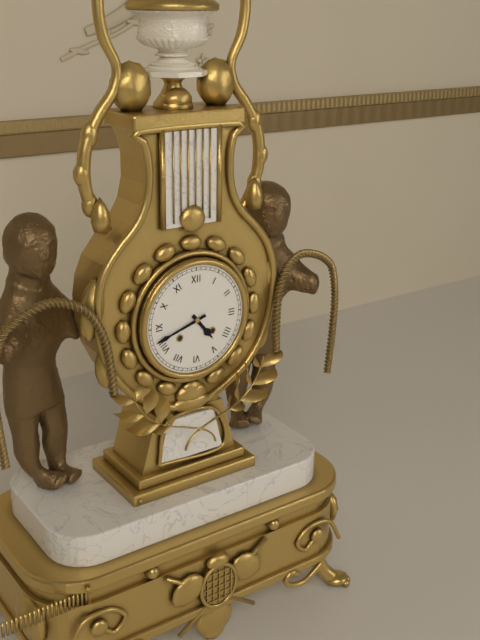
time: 4:42
